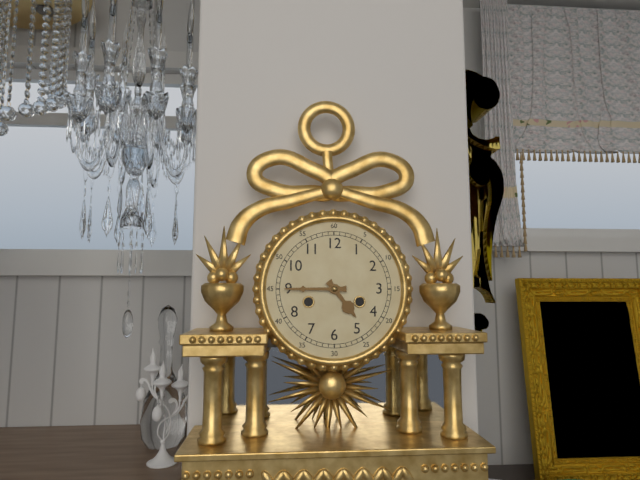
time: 4:45
